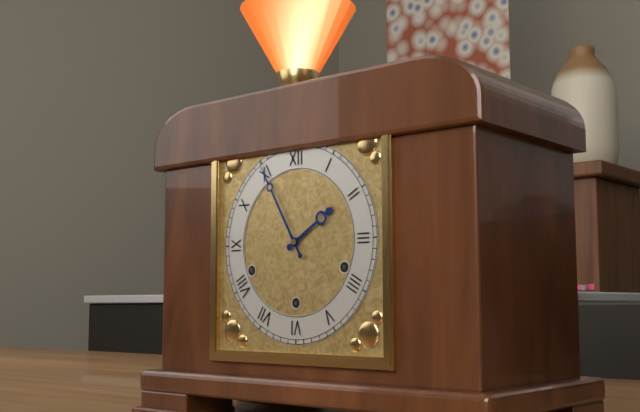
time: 1:55
